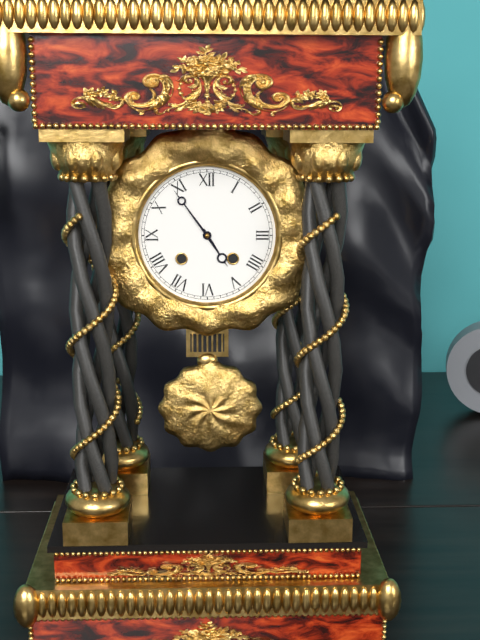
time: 4:54
